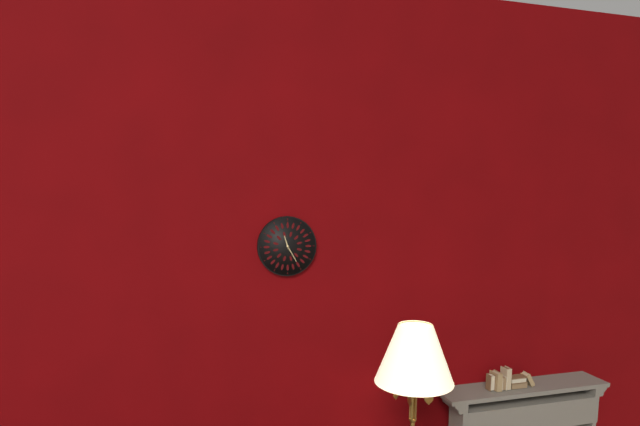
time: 11:25
